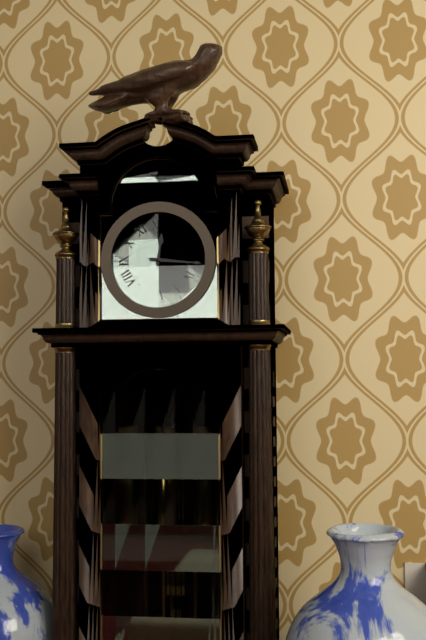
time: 12:16
